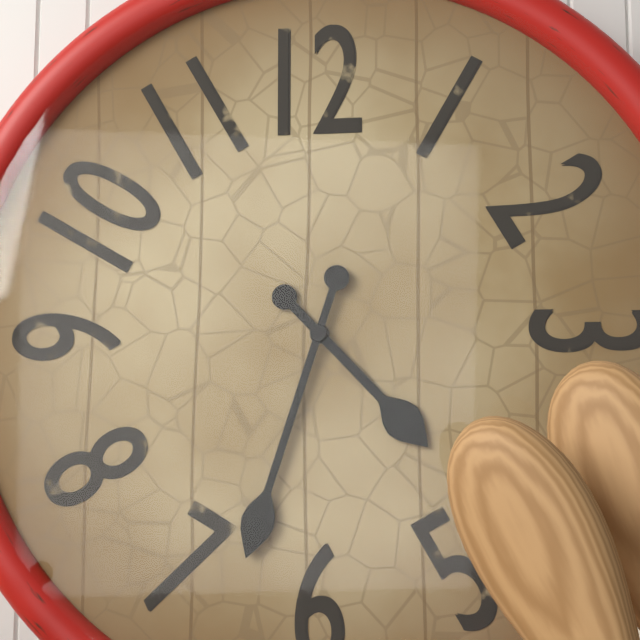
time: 4:33
